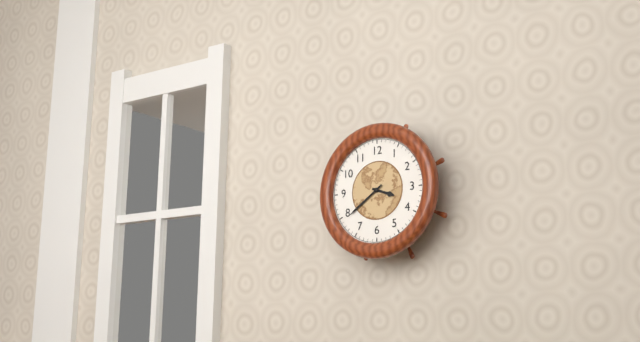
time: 3:39
